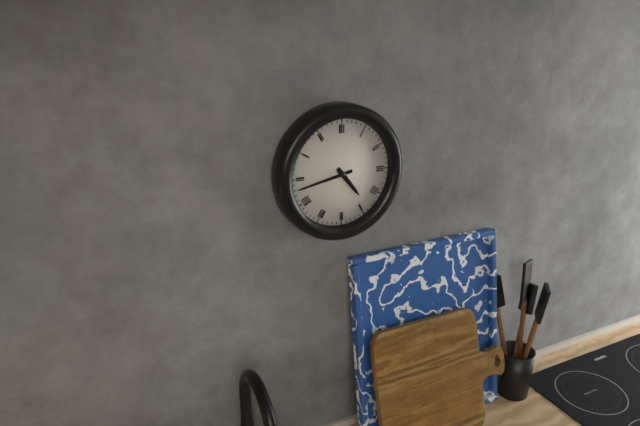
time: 4:43
